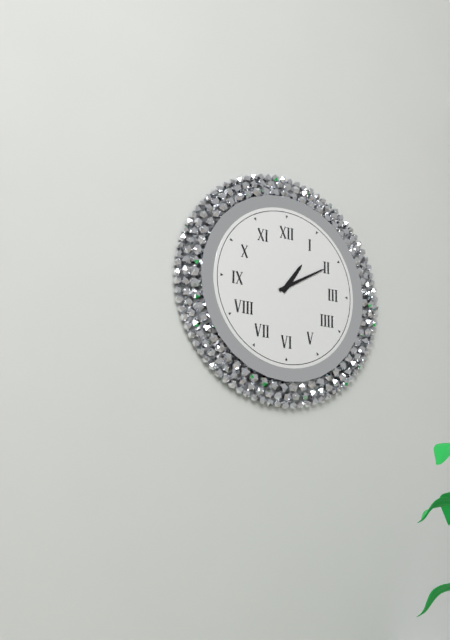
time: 1:10
